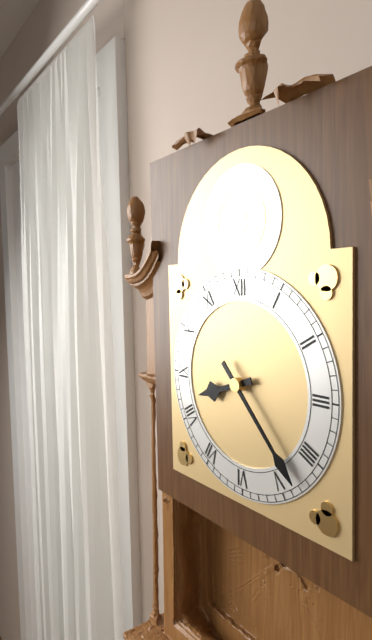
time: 8:23
